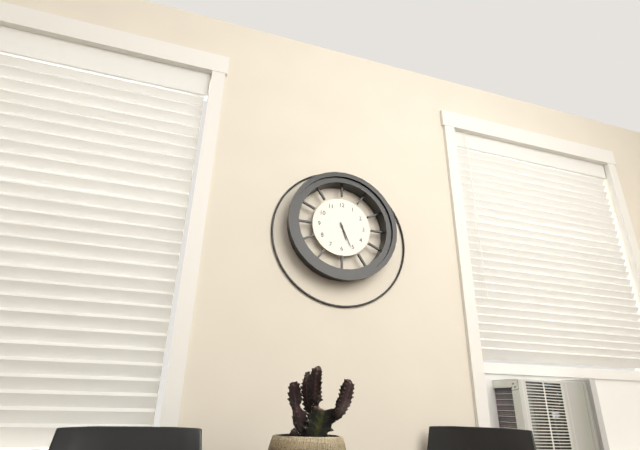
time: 5:26
